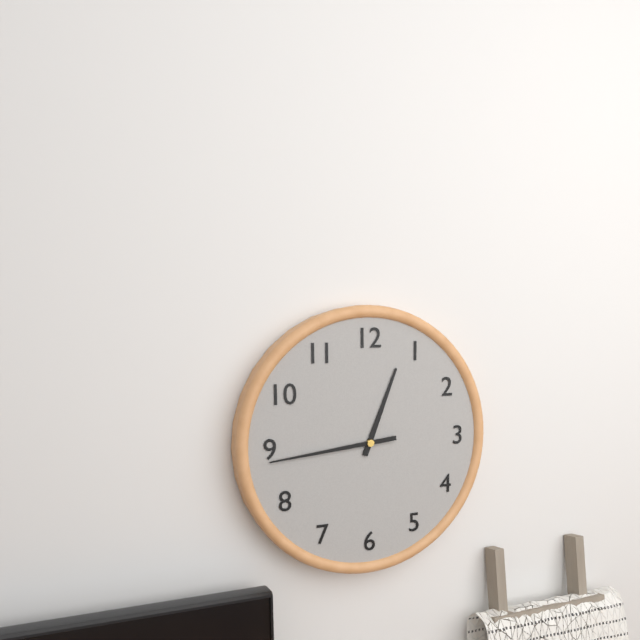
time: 12:44
